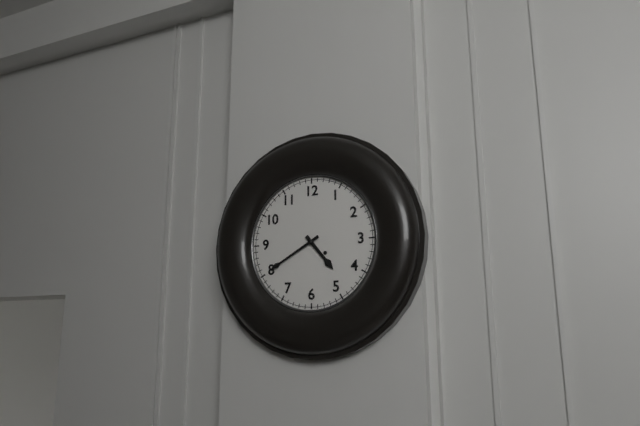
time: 4:40
